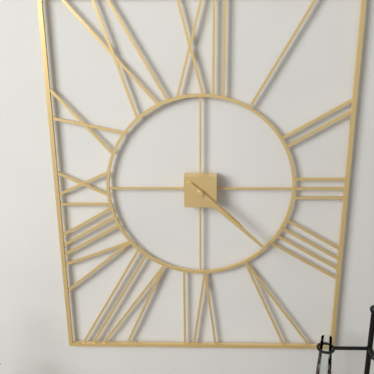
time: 4:22
